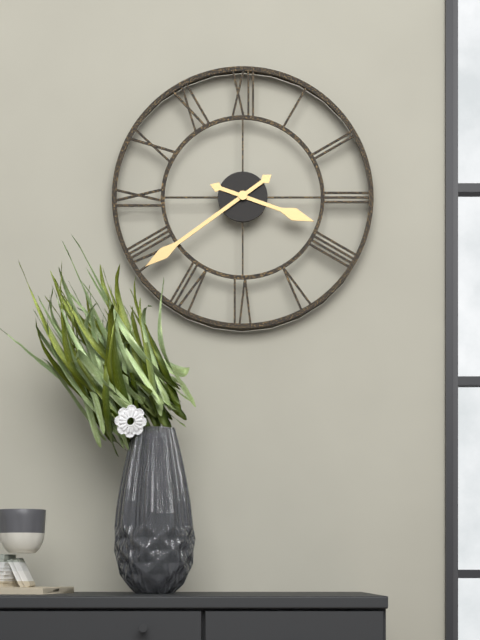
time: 3:39
